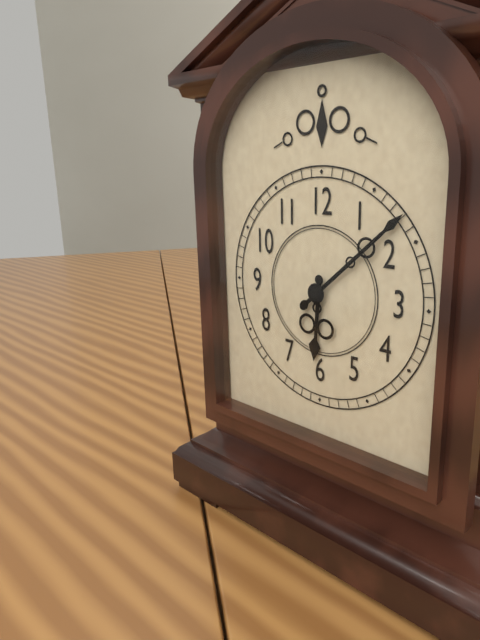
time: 6:08
